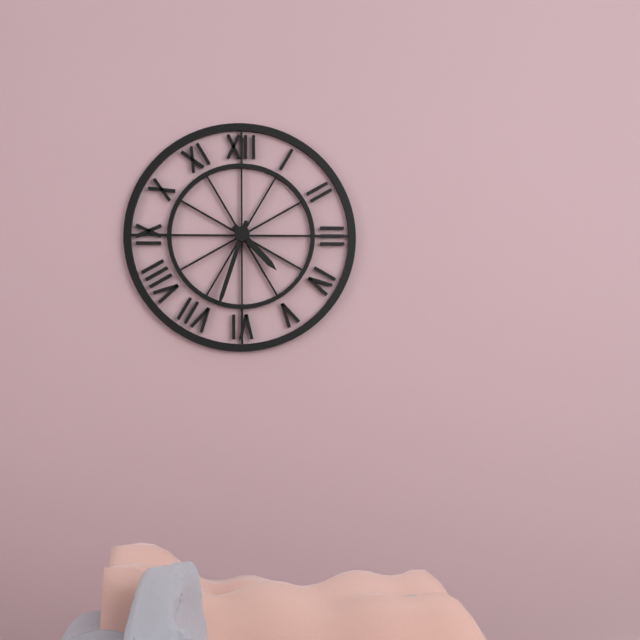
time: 4:33
